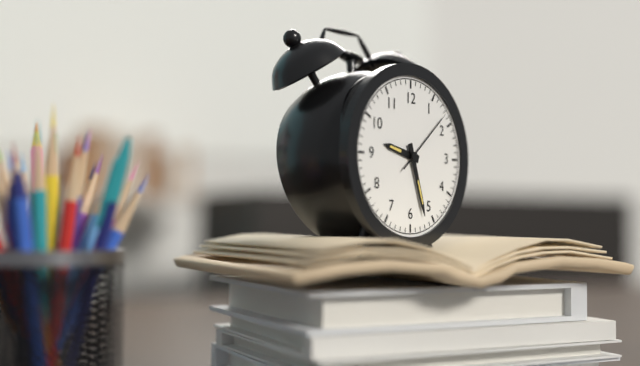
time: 9:27:08
